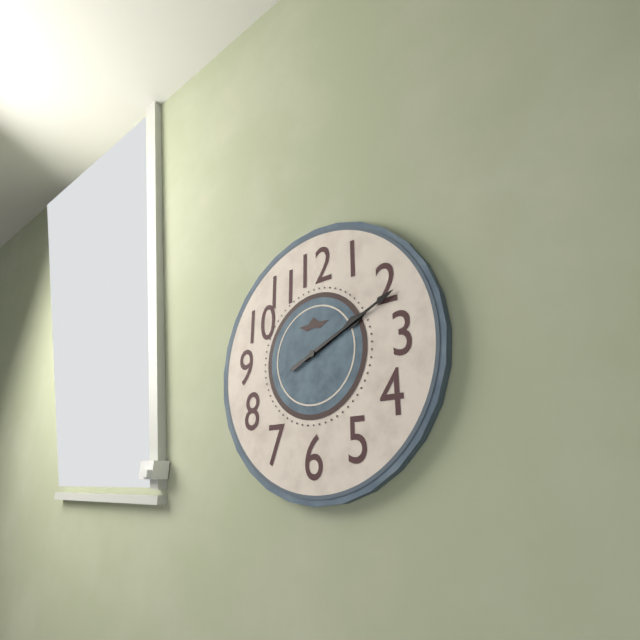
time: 2:11
